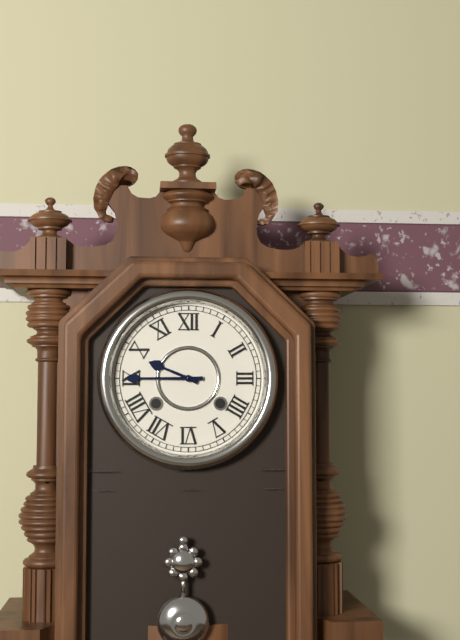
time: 9:45
